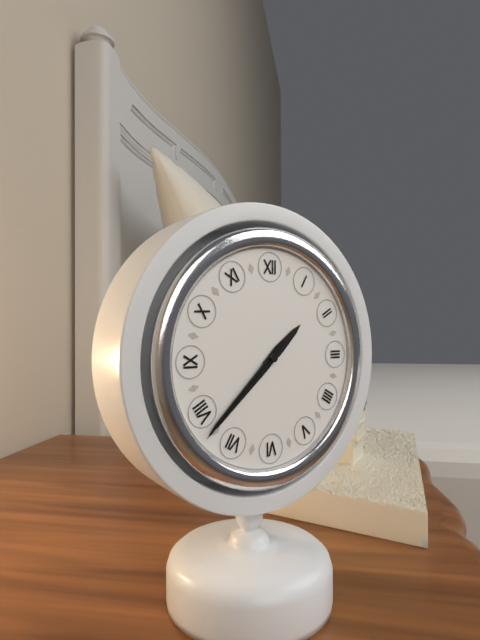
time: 1:38:38
